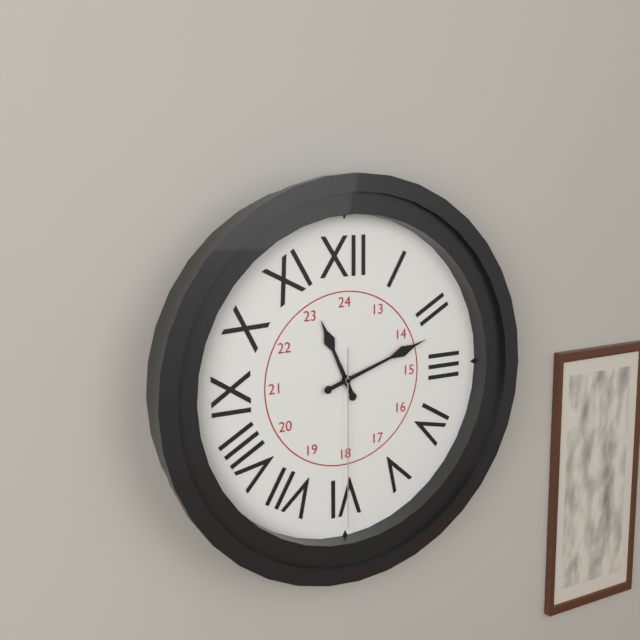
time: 11:12:30
